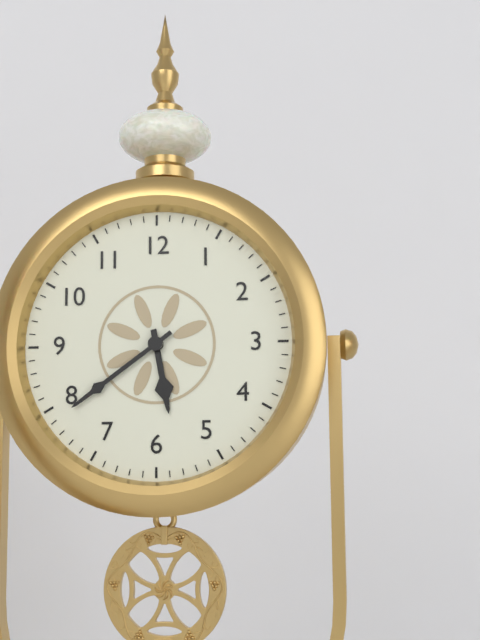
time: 5:39
